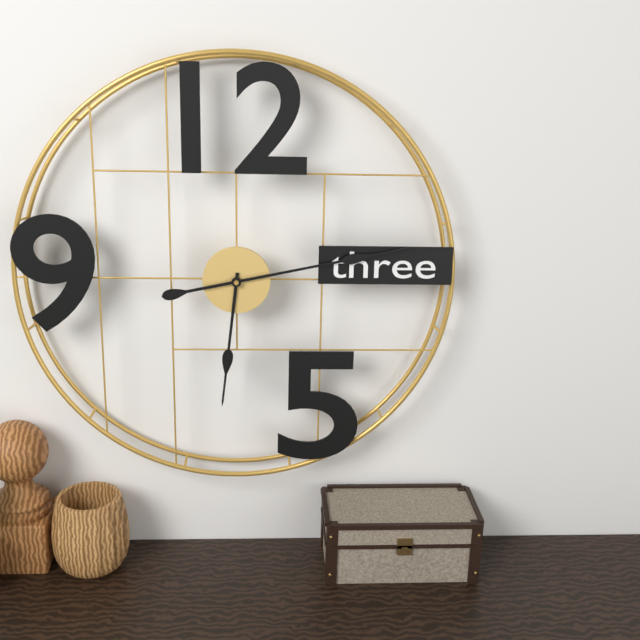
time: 6:13
